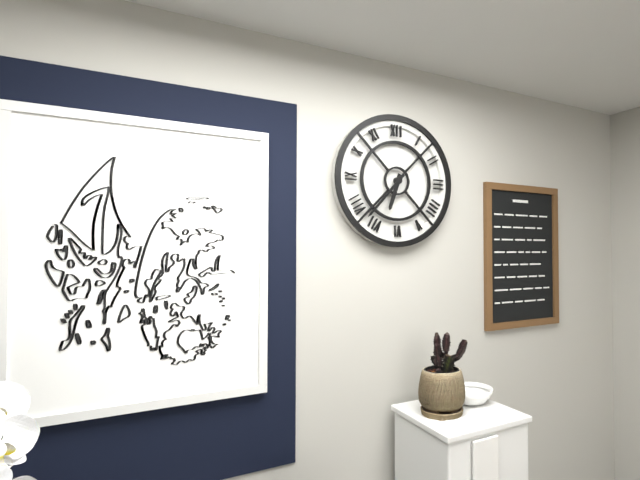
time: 6:37
